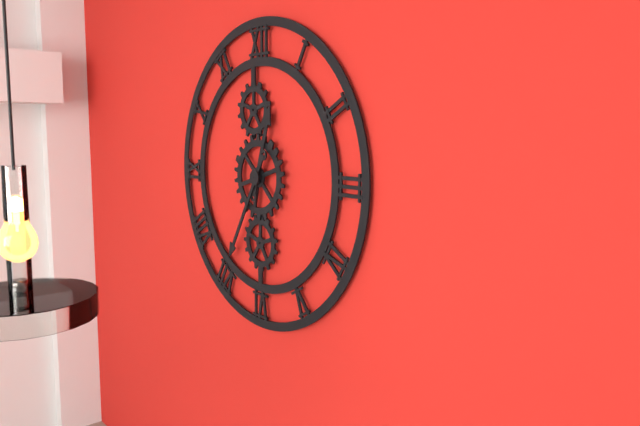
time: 12:35
